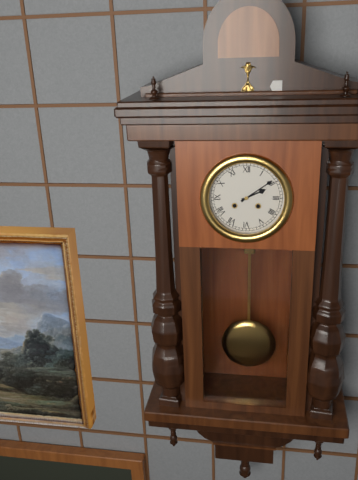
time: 2:09
